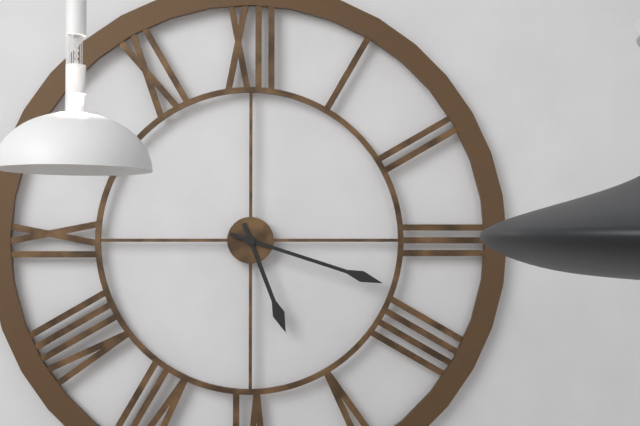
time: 5:18
